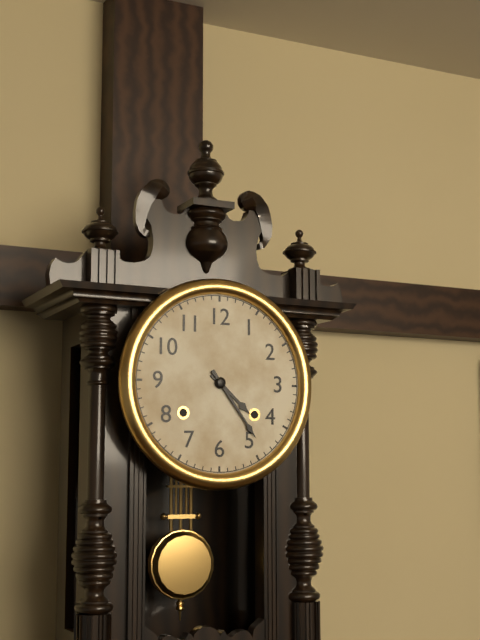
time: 4:24
